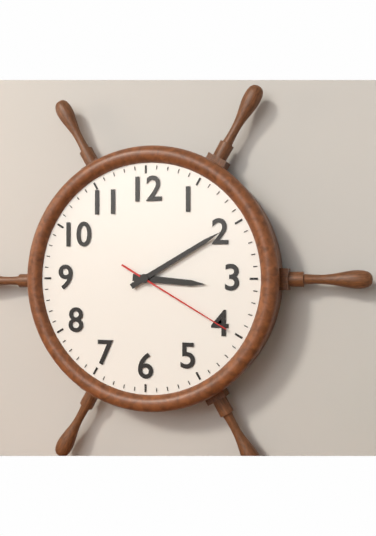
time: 3:10:20
